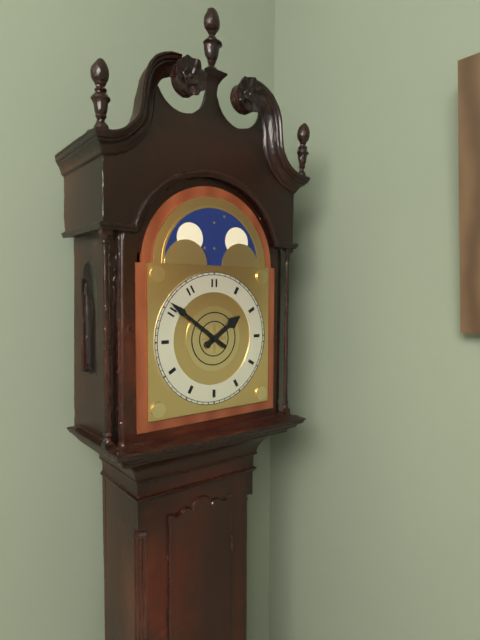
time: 1:51
